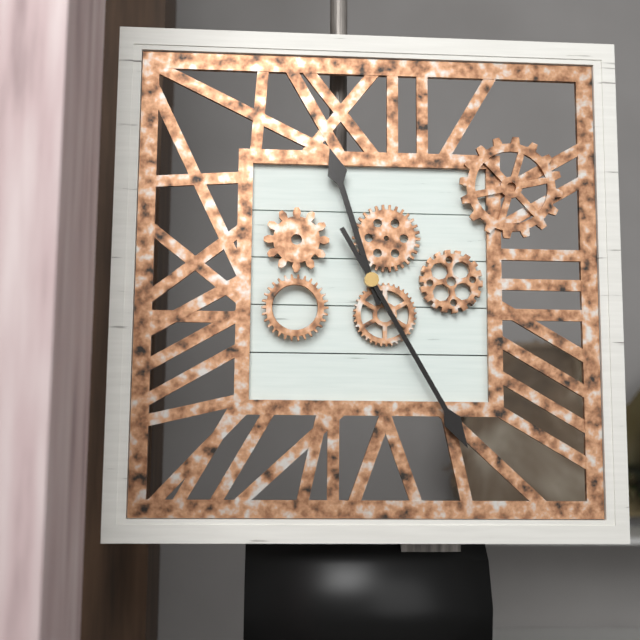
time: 11:25
